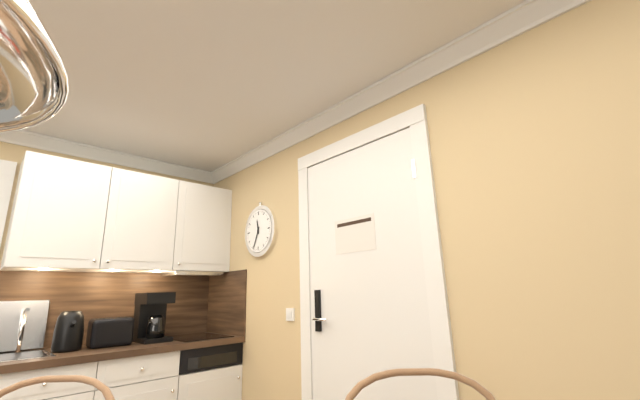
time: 11:34
